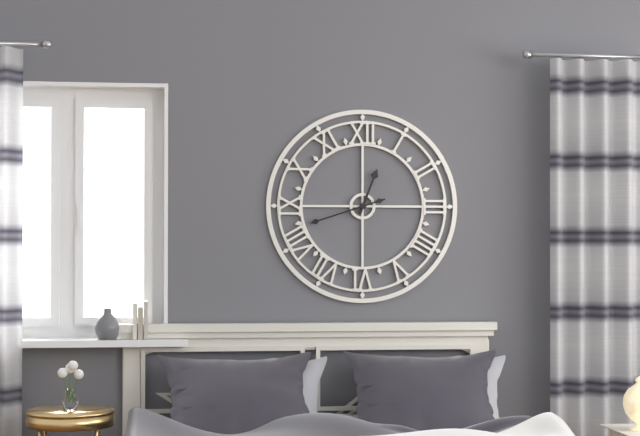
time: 12:42
